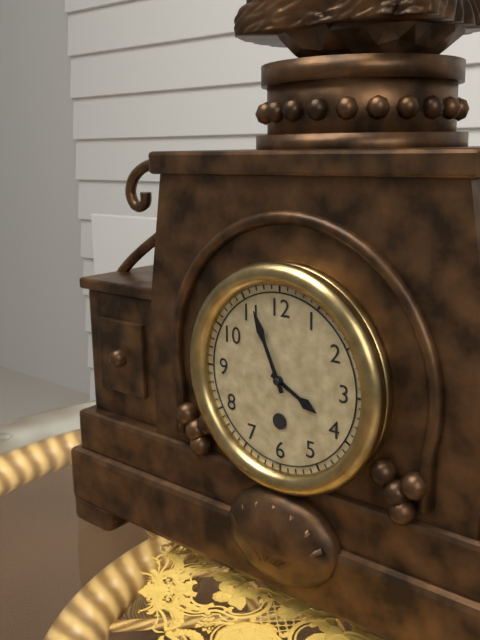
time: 3:56
